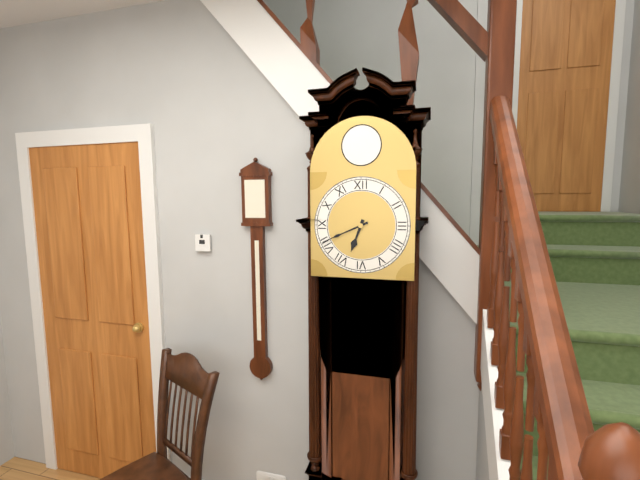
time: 6:41
